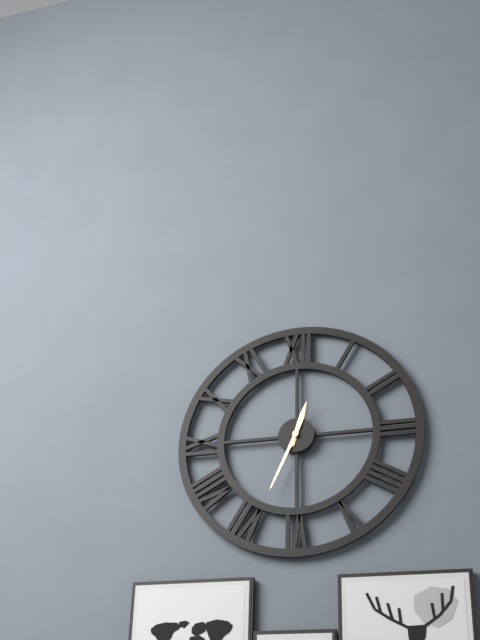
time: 12:34
